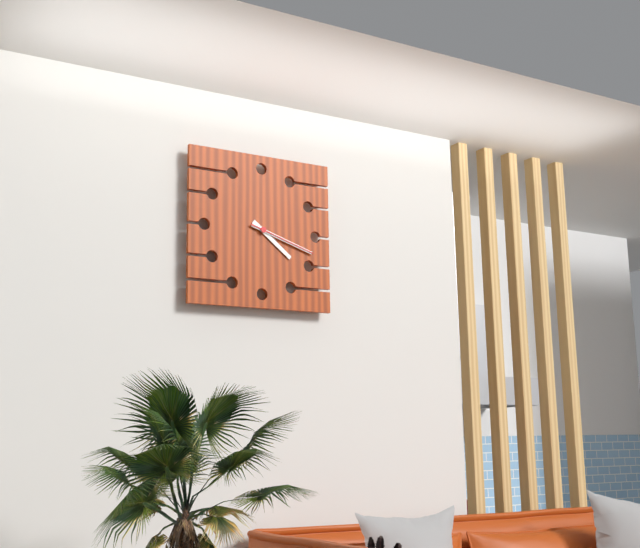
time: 4:18:18
